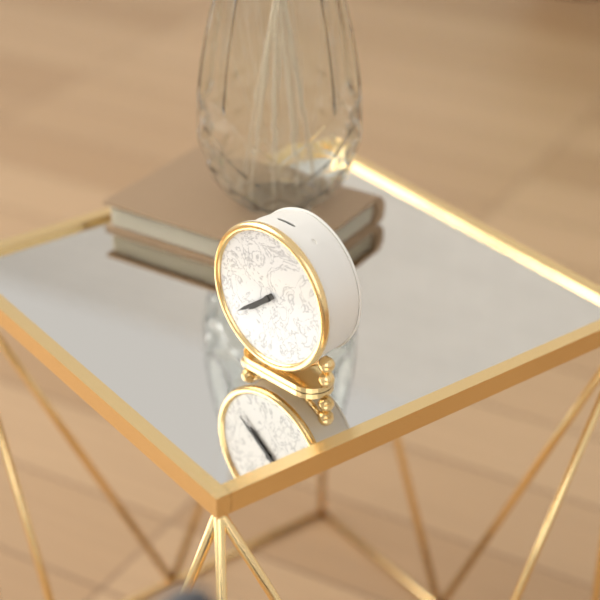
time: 7:39
